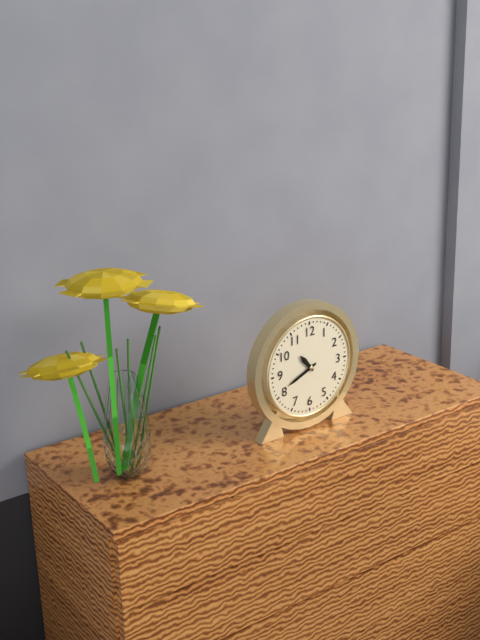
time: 10:41
